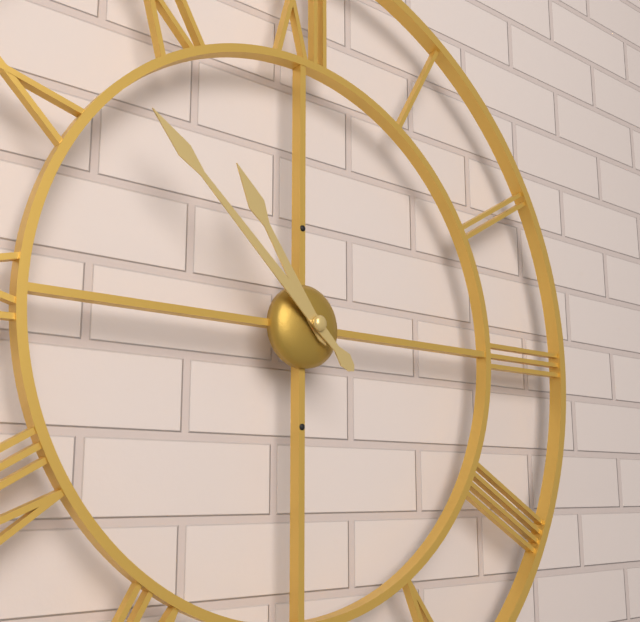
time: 10:52
